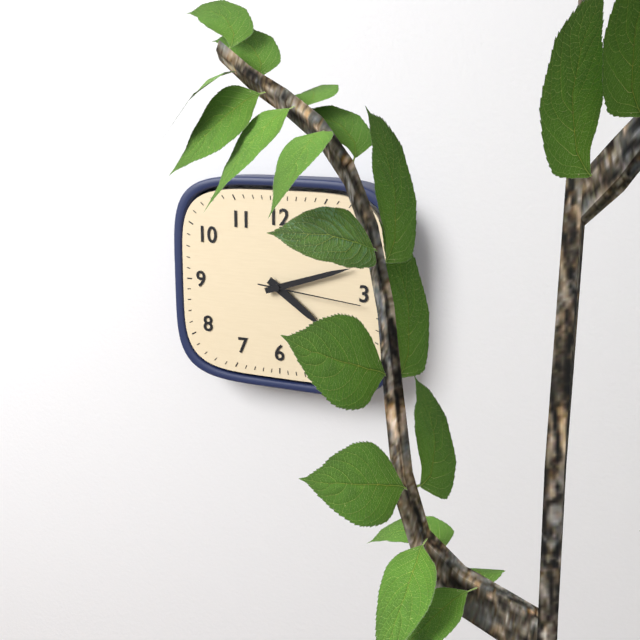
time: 4:12:16
